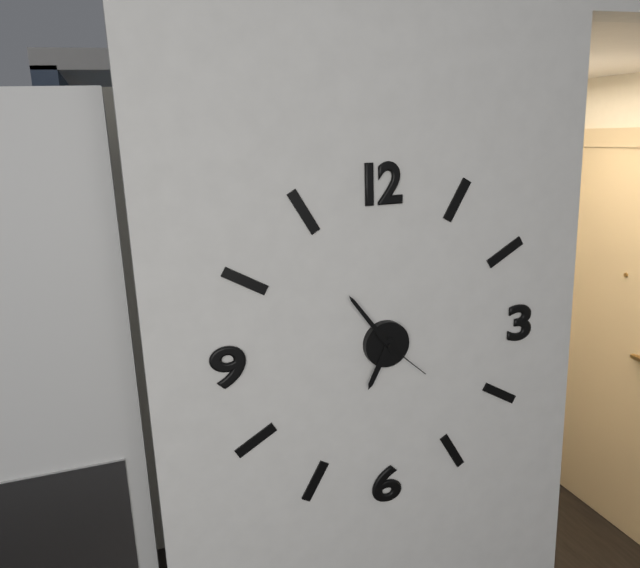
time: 6:54:22
